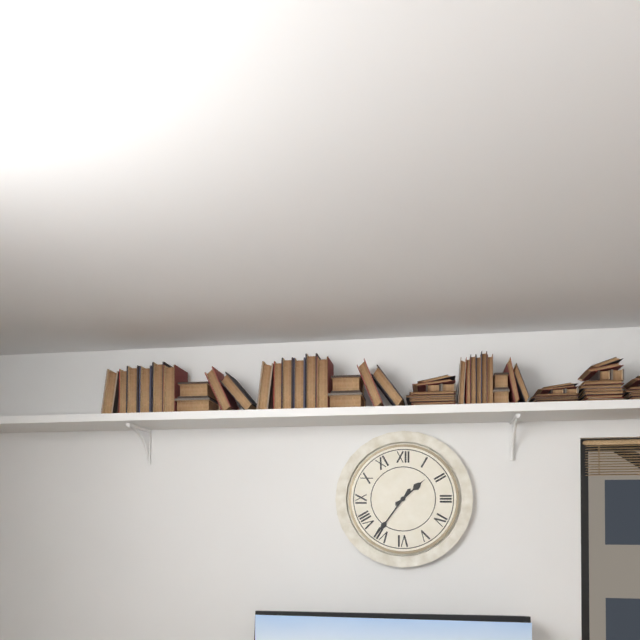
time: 1:36
